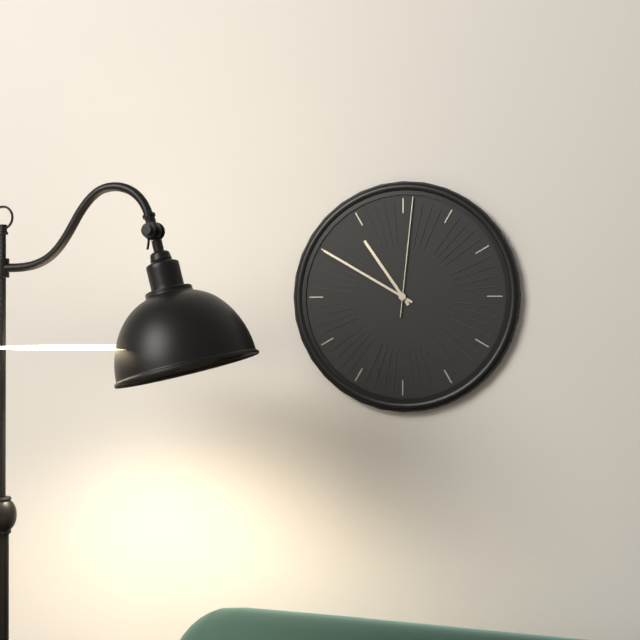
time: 10:50:01
